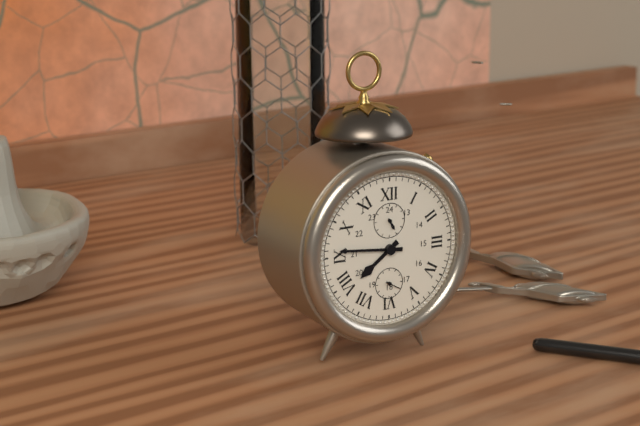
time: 7:46:20
